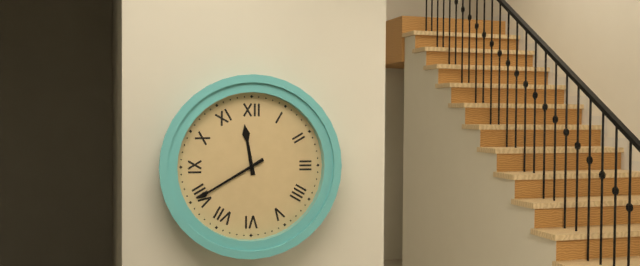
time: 11:40
